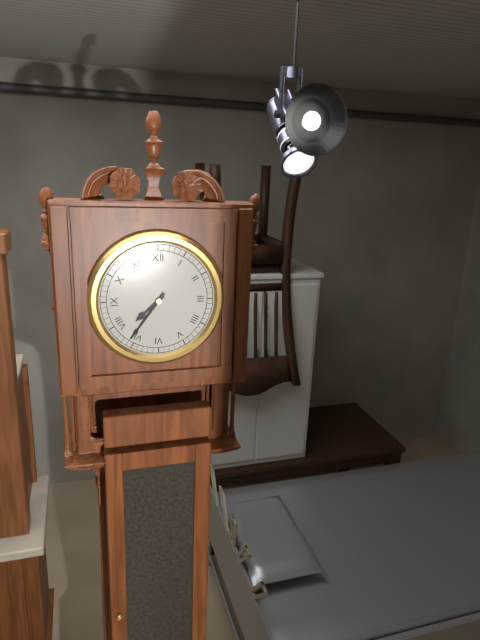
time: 7:36
